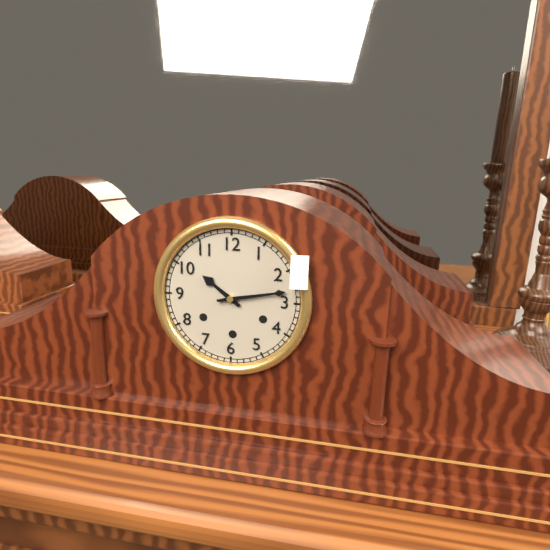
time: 10:13
